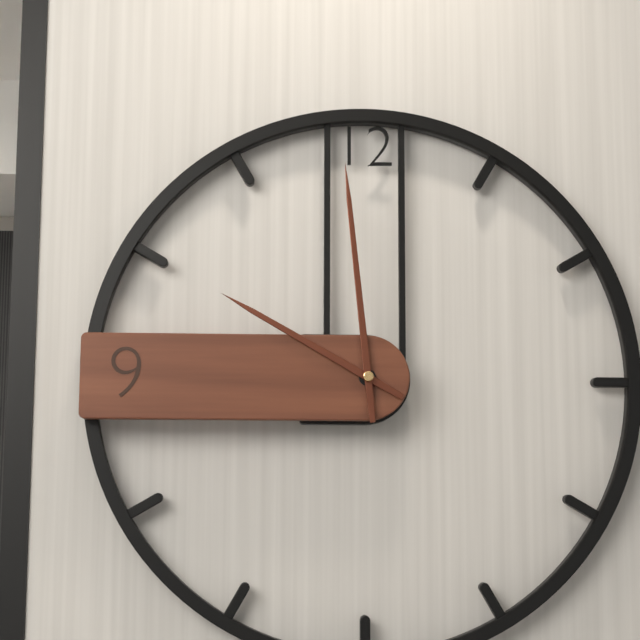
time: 9:59
